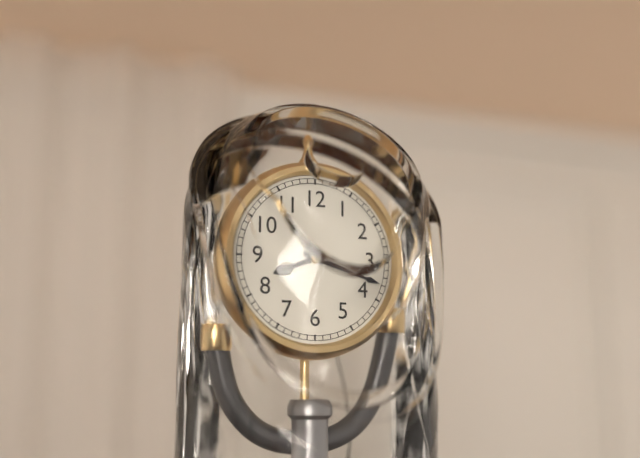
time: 8:18
